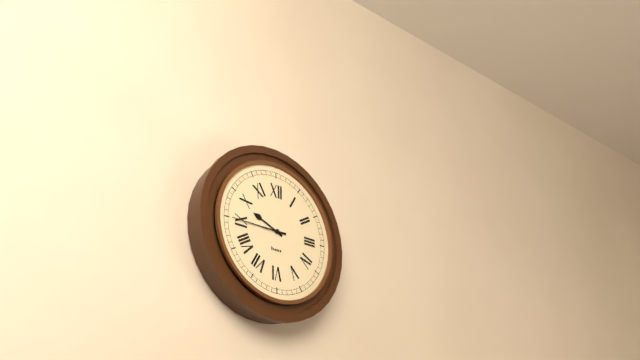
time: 9:45
